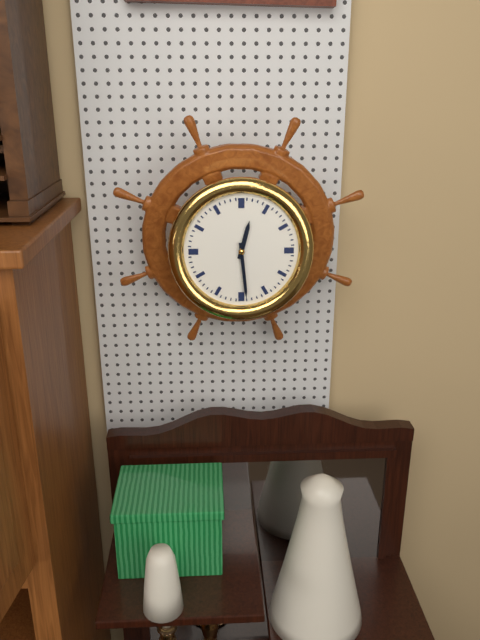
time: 12:29
